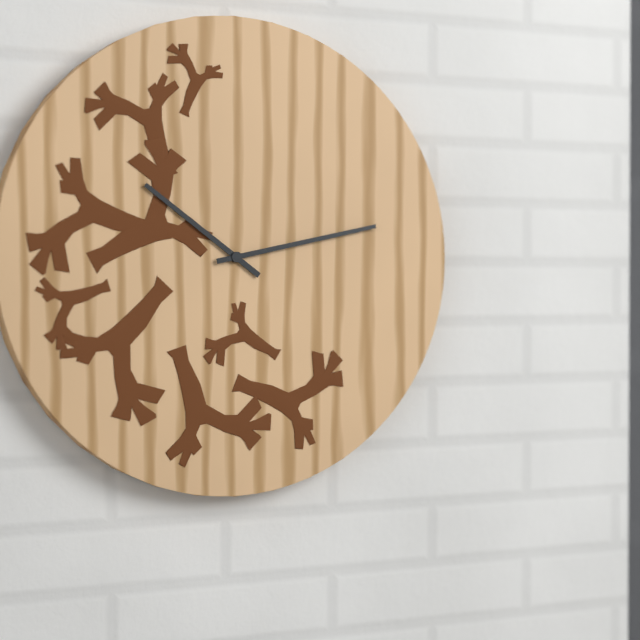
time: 10:13
